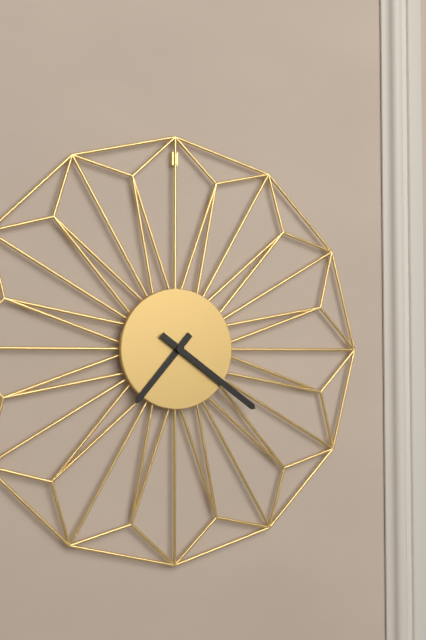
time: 7:21
